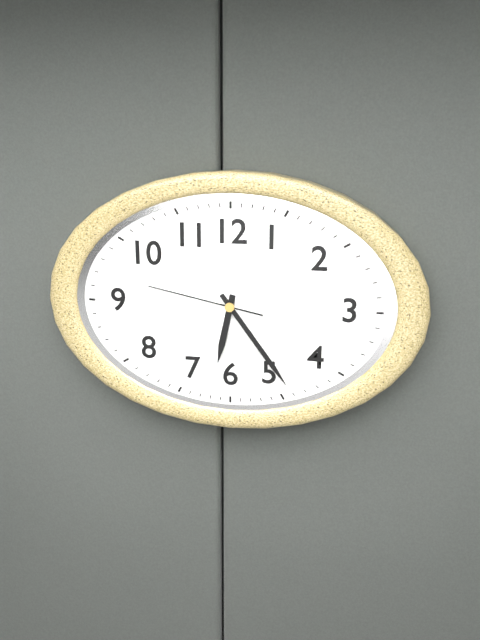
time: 6:24:47
